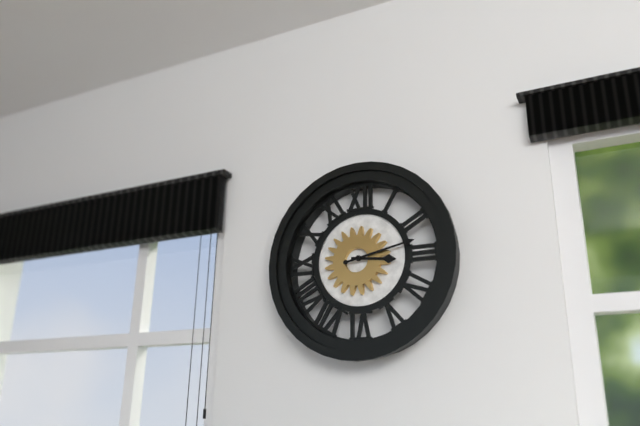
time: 3:13
